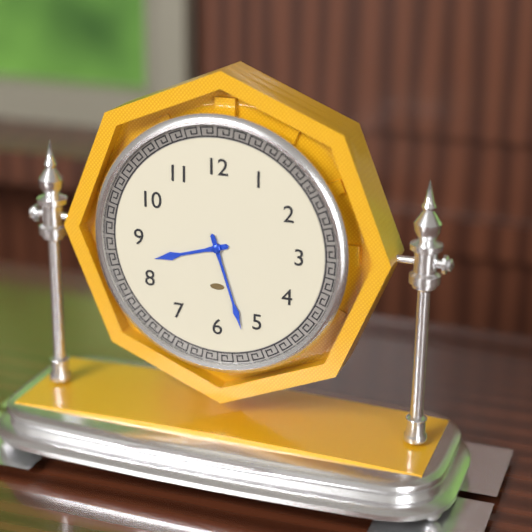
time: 8:27
